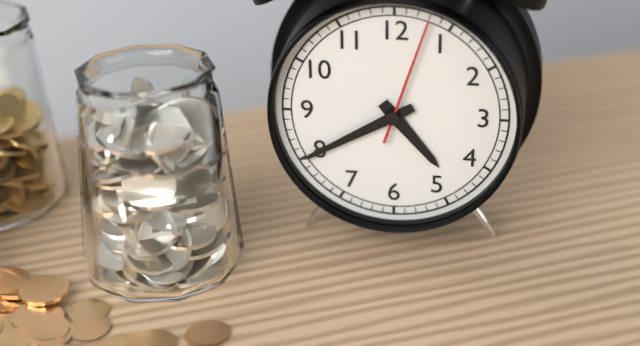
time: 4:40:03
